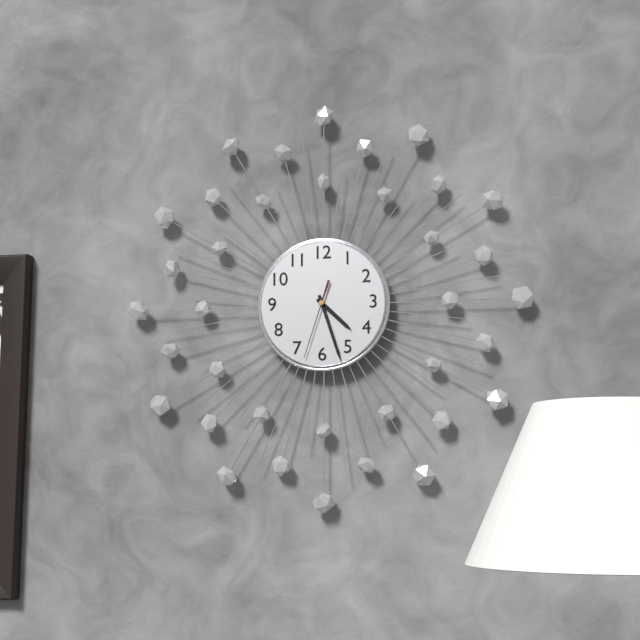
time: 4:27:33
